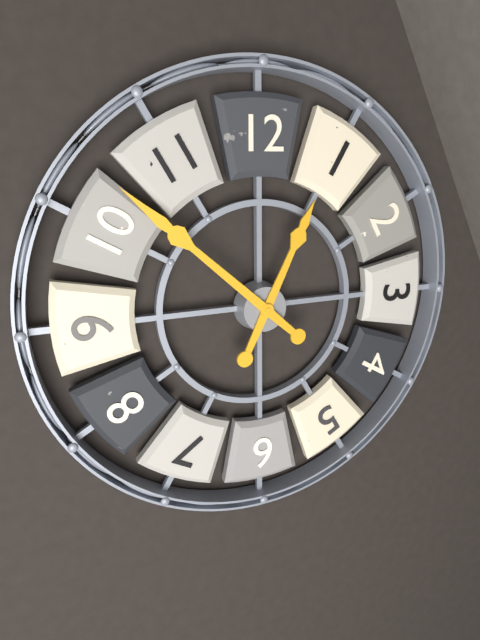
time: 12:52
